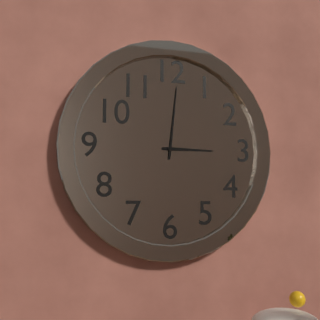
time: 3:01
